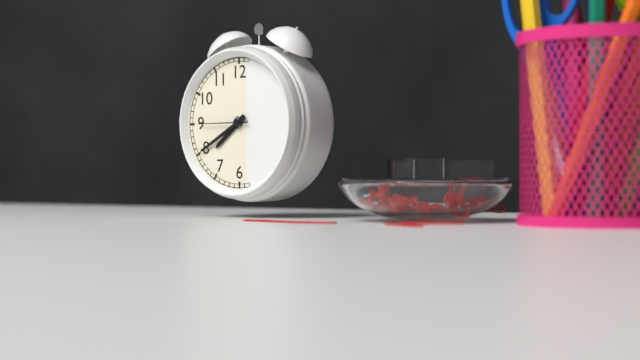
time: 7:40:45
